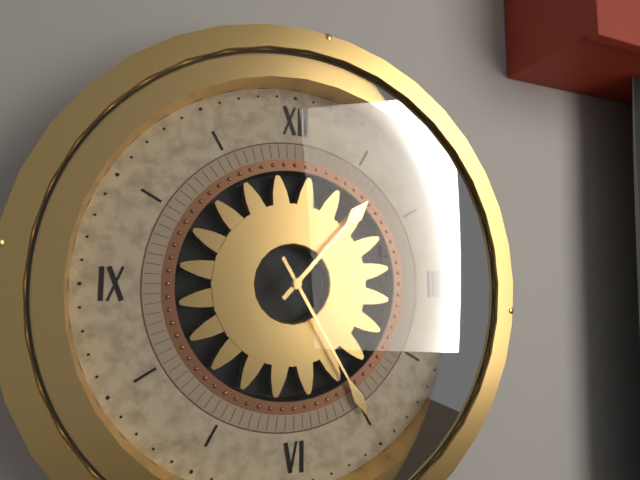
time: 1:25
